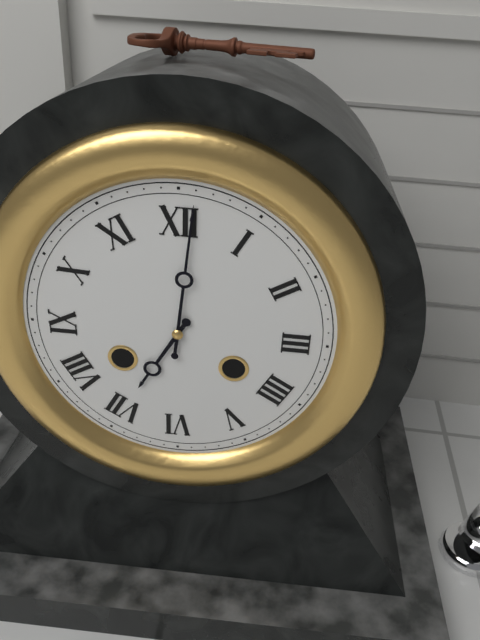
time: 7:01
